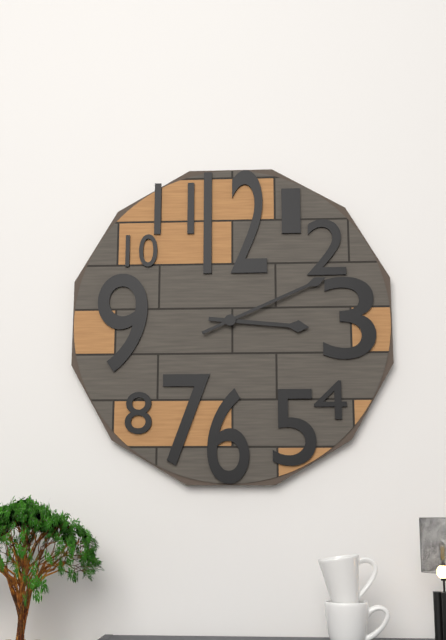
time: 3:11
